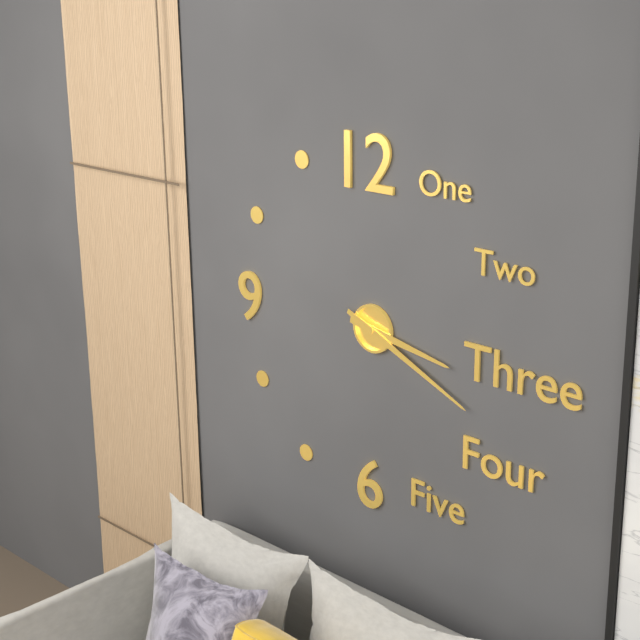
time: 3:19
